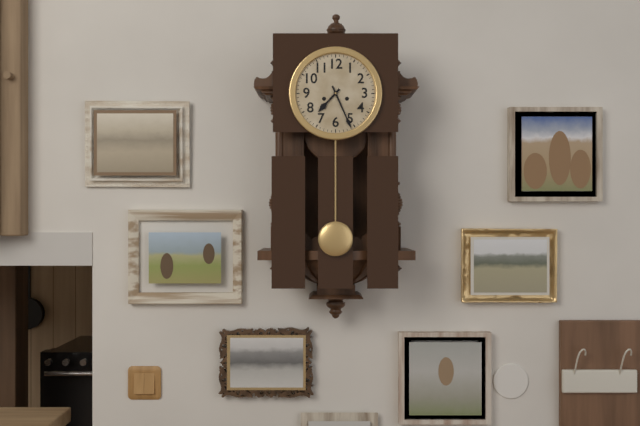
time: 7:26
